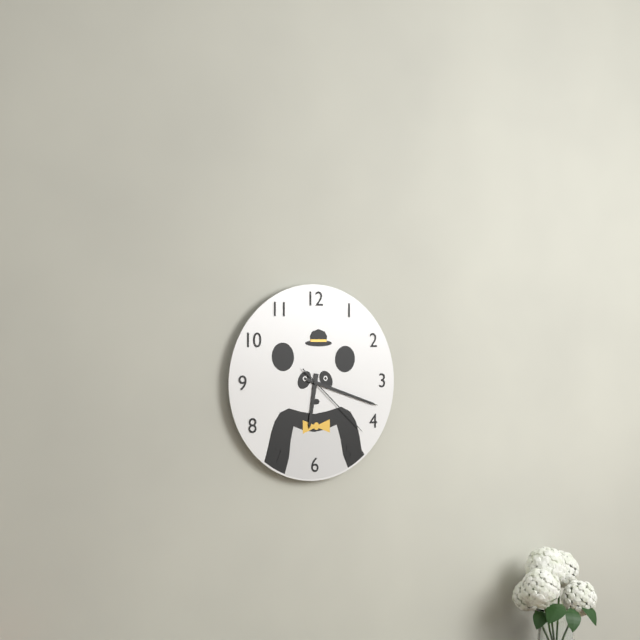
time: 6:18:22
